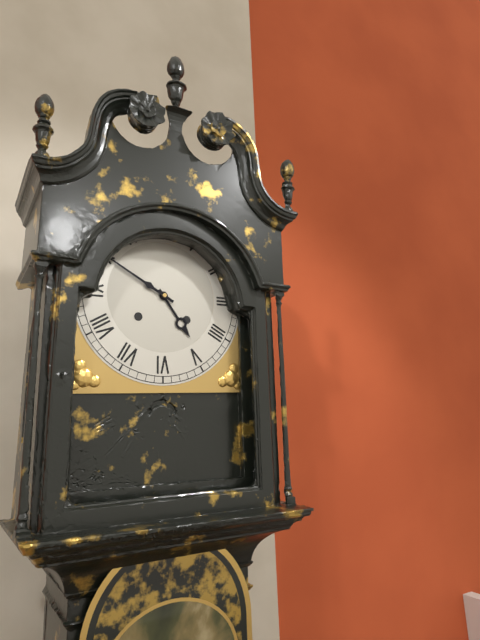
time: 4:50
